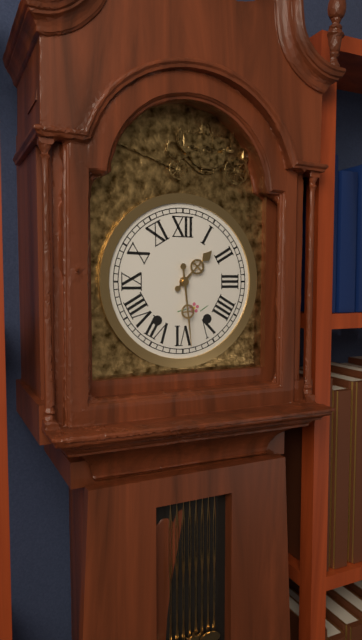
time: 1:29
